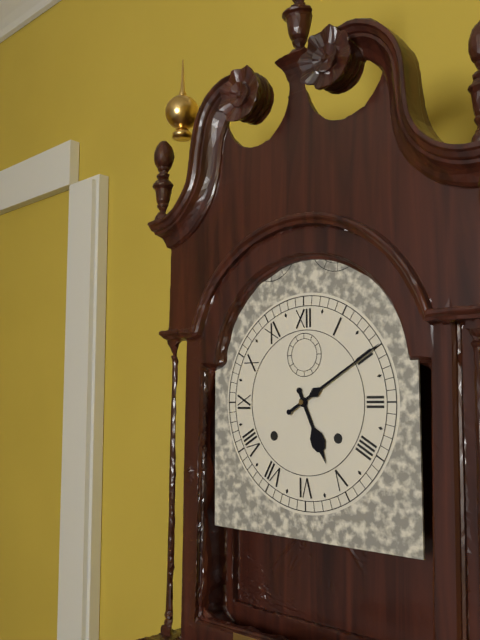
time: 5:10
